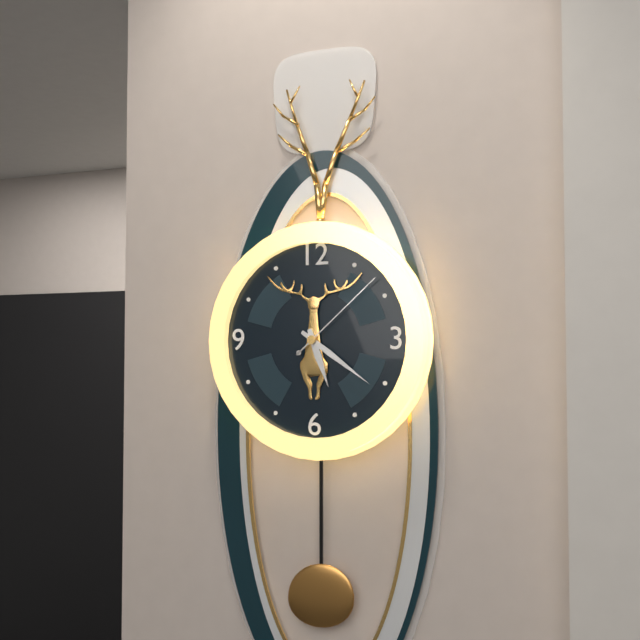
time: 5:21:08
